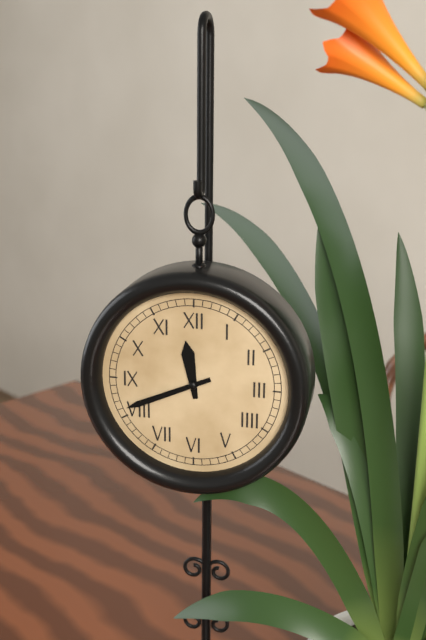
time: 11:41
